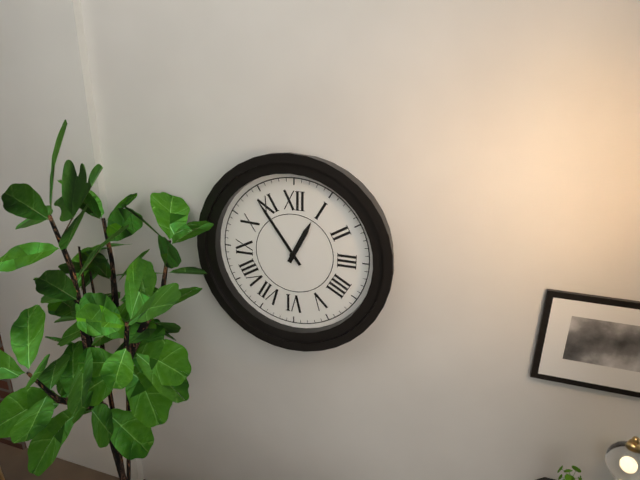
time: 12:54
